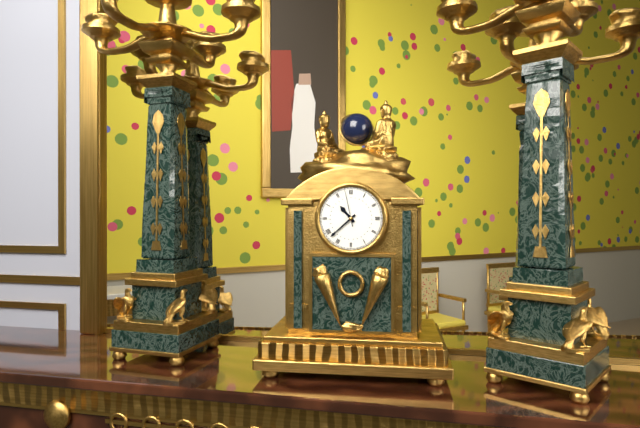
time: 10:38
